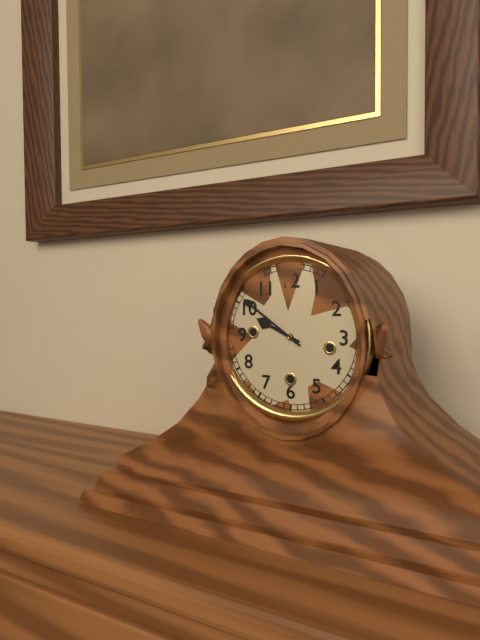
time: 9:51
